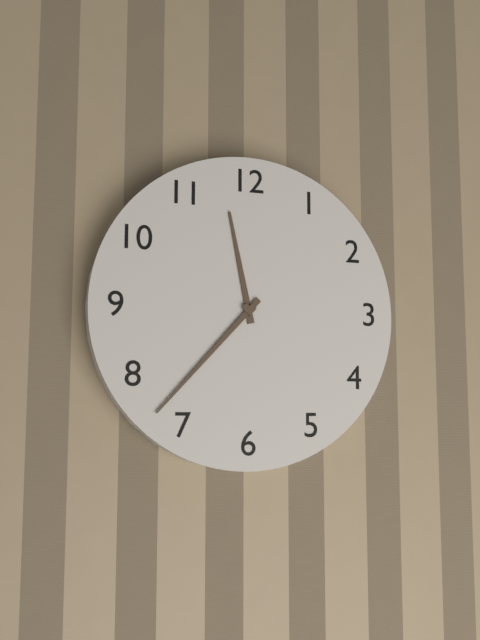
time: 11:37
